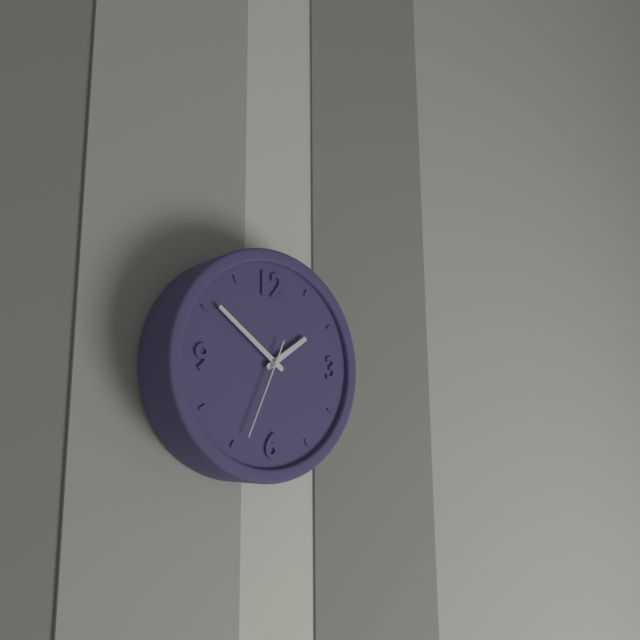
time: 1:51:34
